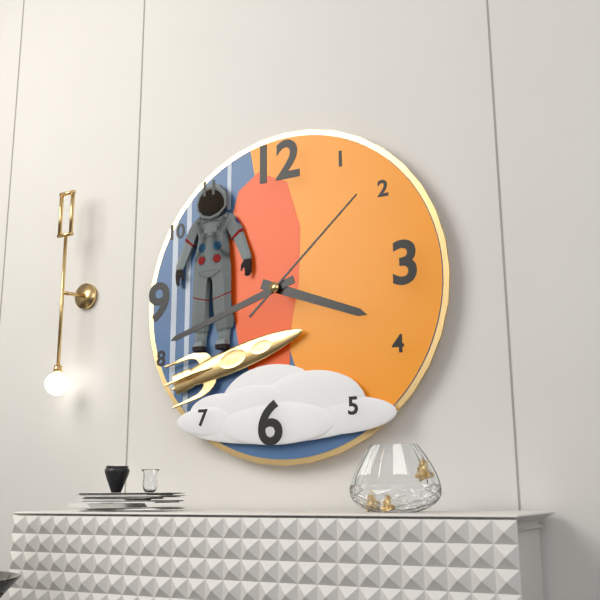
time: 3:42:08
